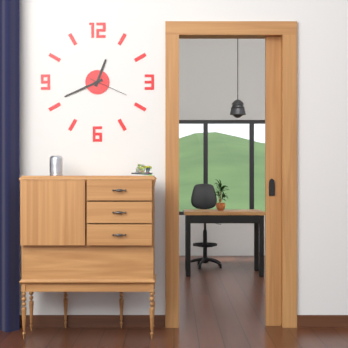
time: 12:41
